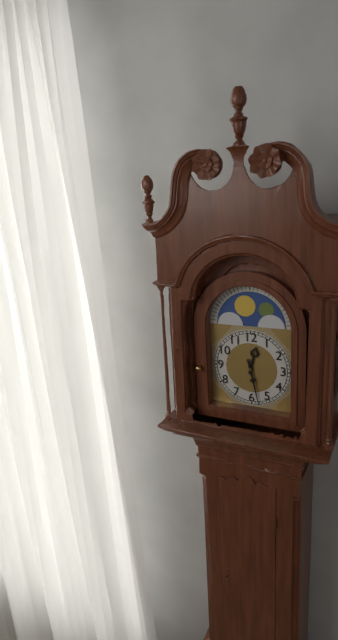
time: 12:28
